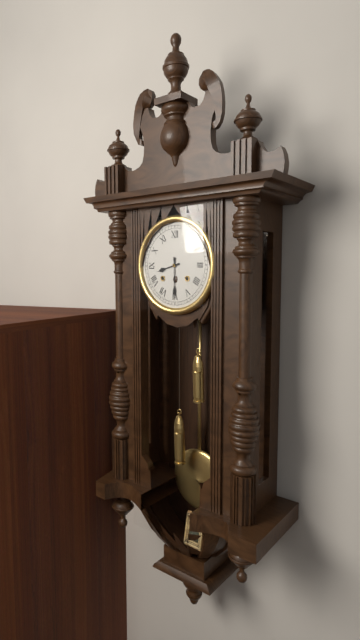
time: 8:30
